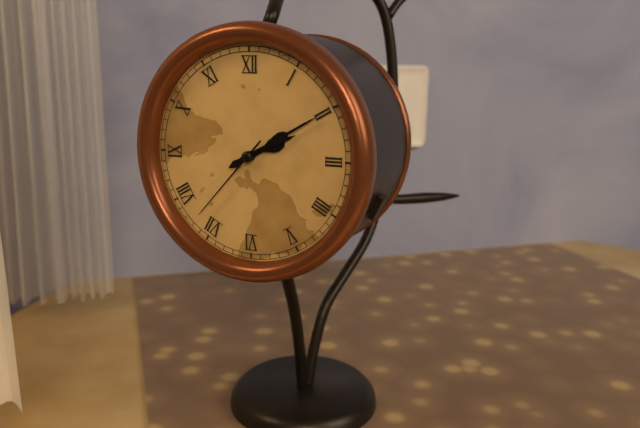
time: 2:10:37
